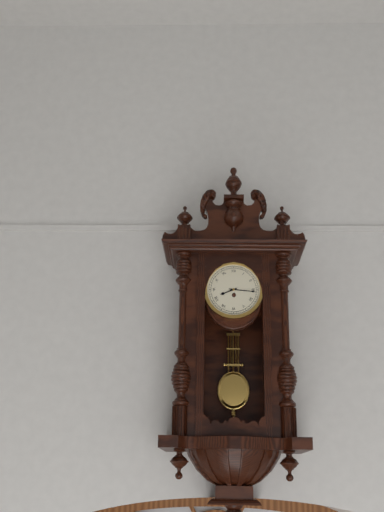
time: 8:16
